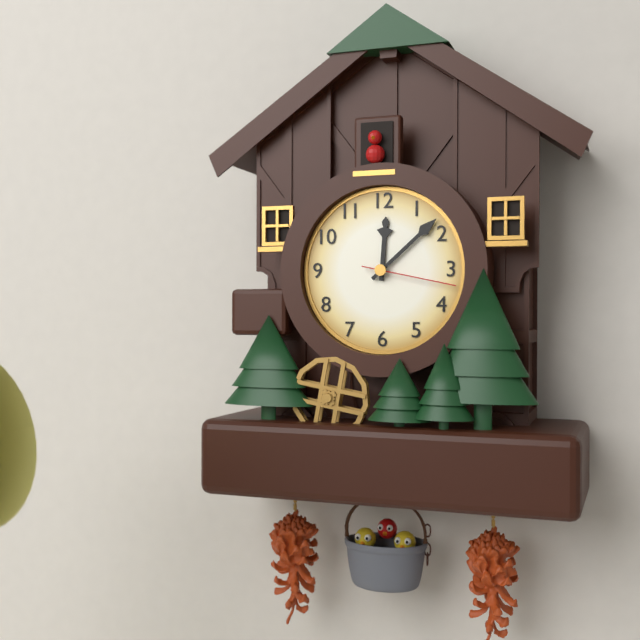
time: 12:08:17
